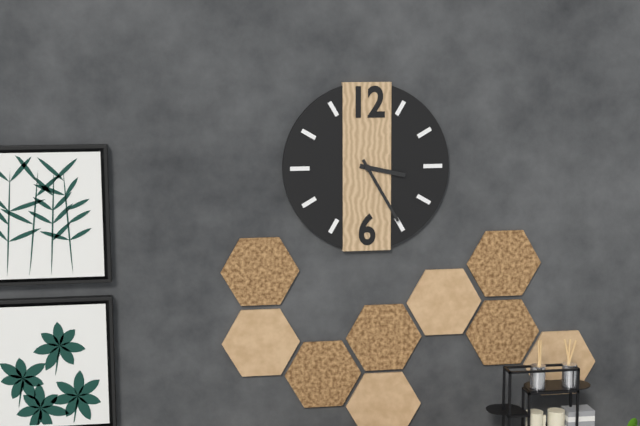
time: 3:25
